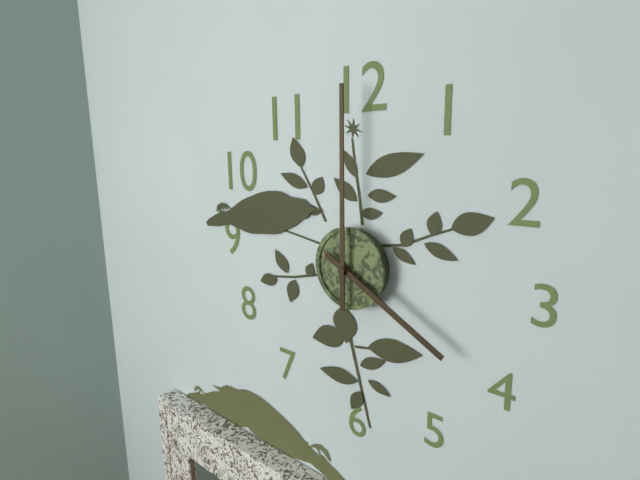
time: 4:00
